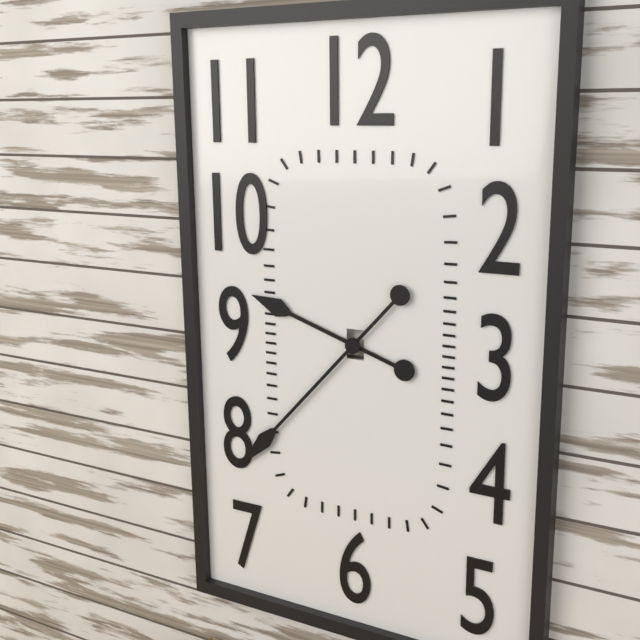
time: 9:37
